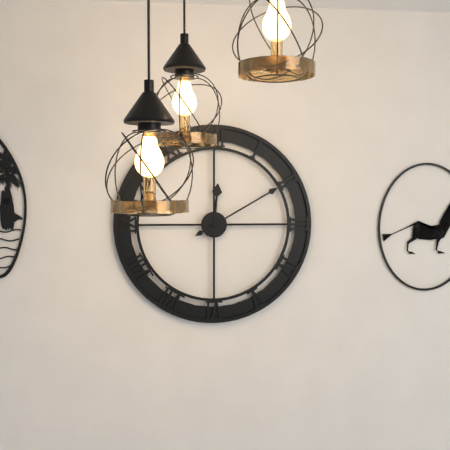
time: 12:10
